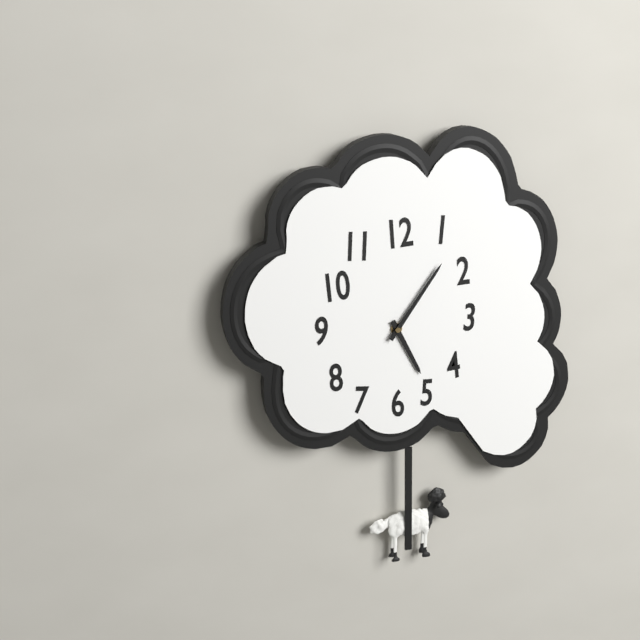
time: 5:06
